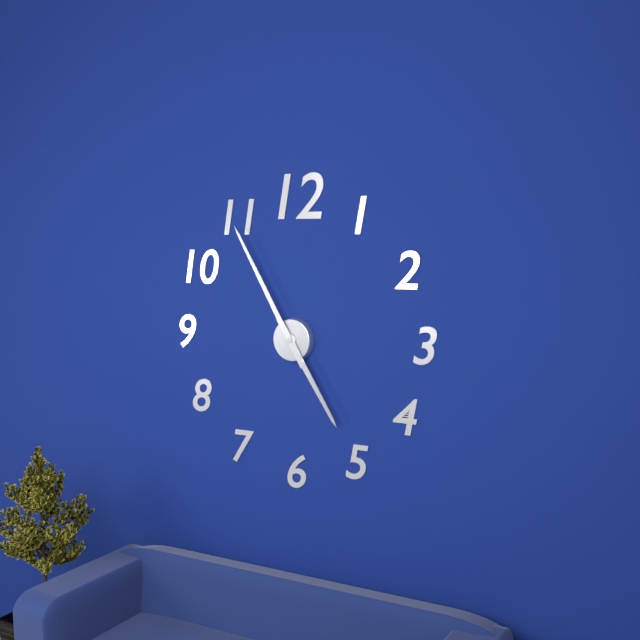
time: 4:55
